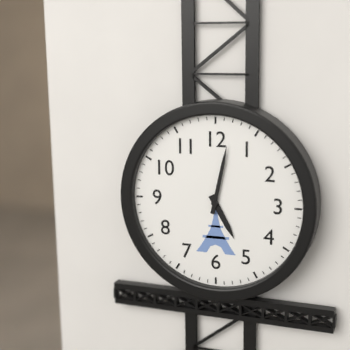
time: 5:02
